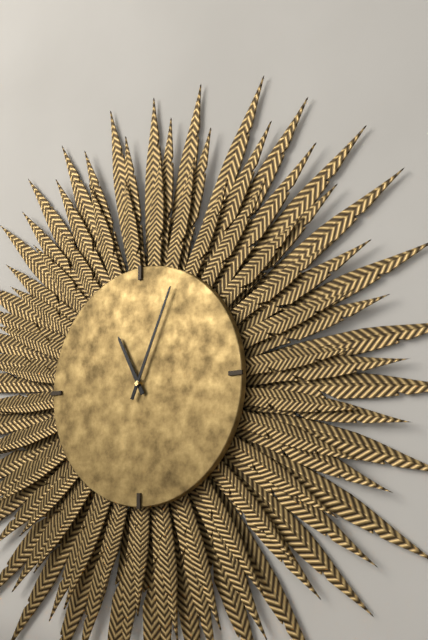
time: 11:04
